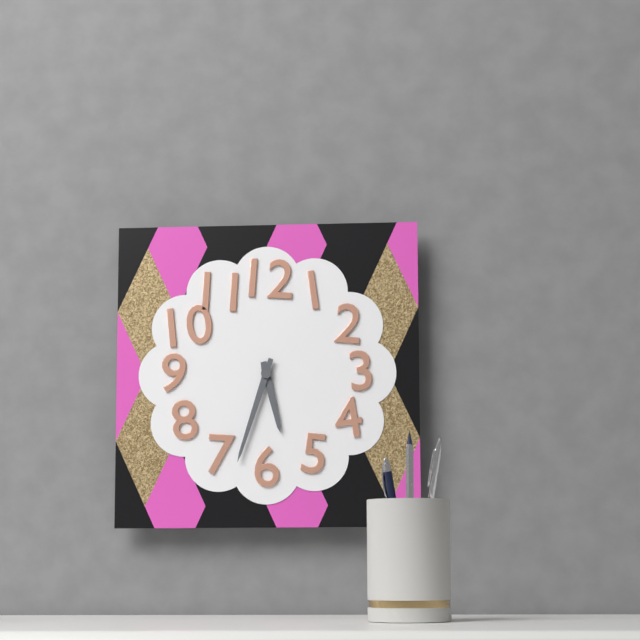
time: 5:33
